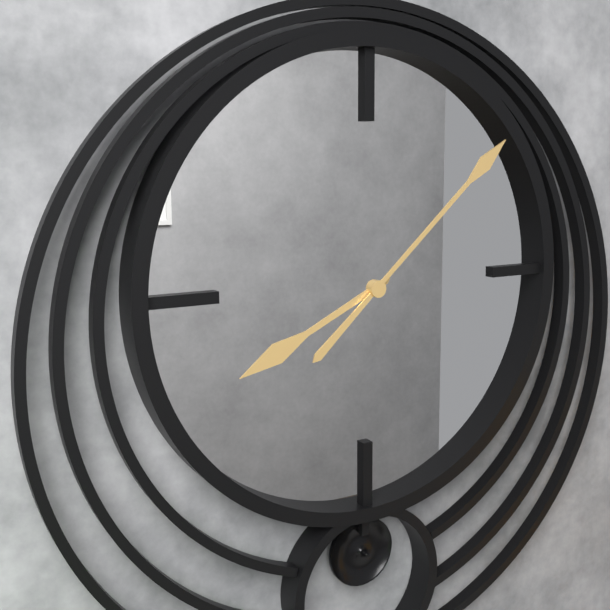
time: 8:08
